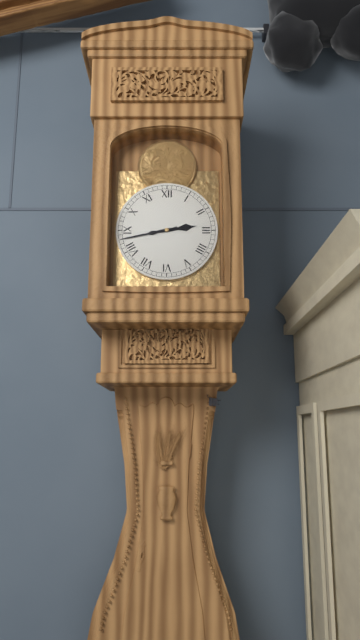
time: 2:43
